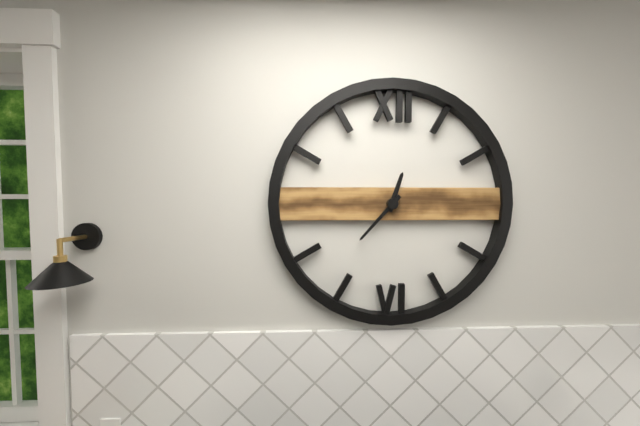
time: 12:37
